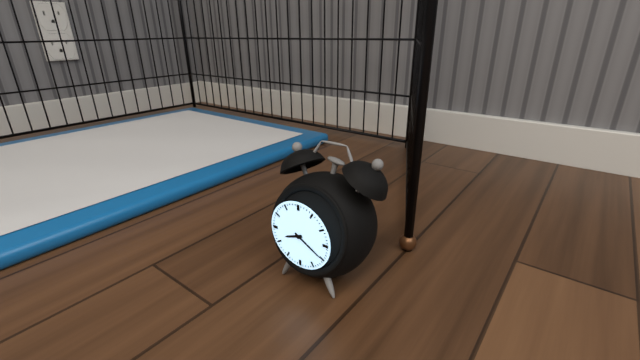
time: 8:20
